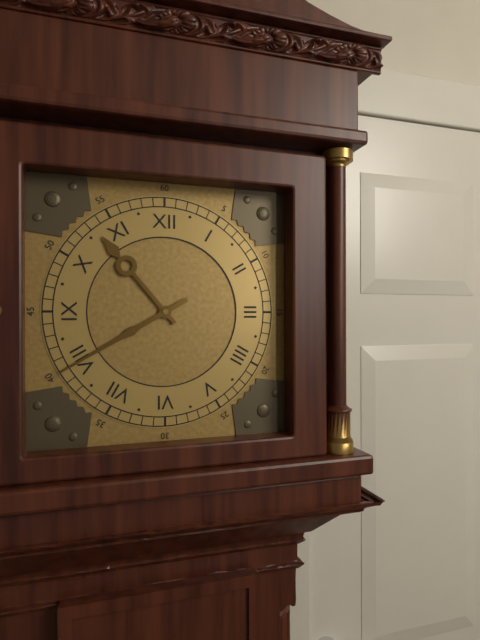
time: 10:40
